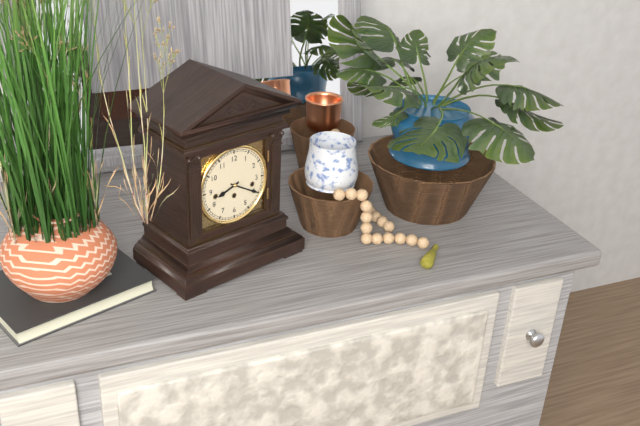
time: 8:20
